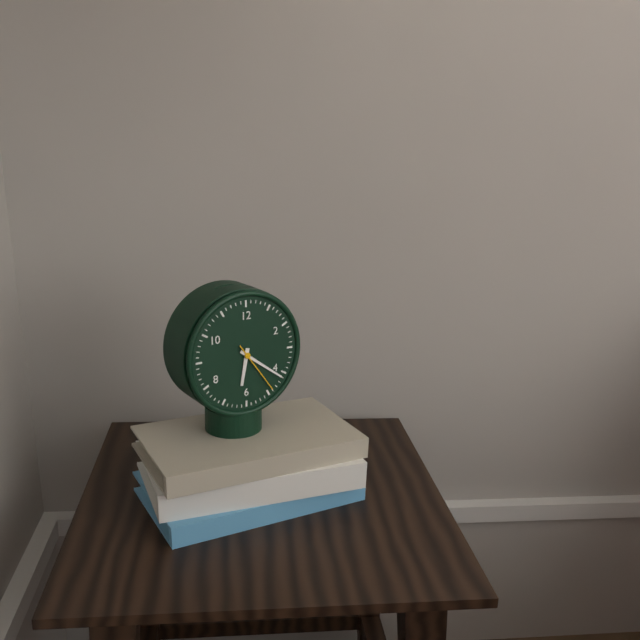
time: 6:21:24
